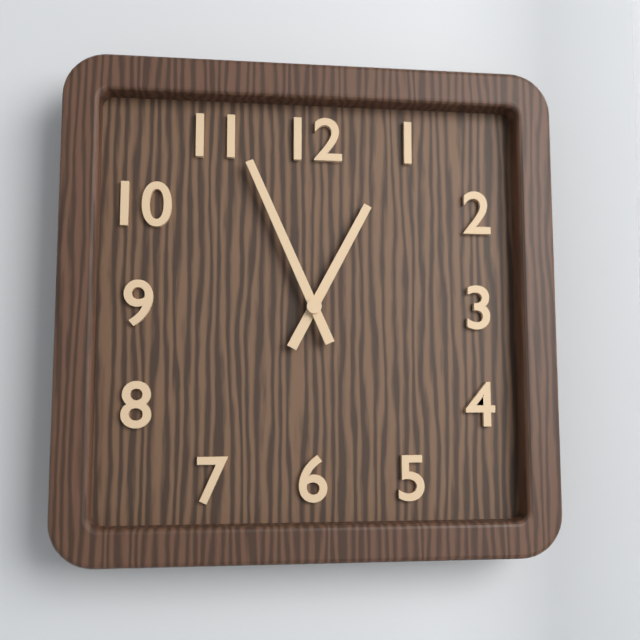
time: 12:56
